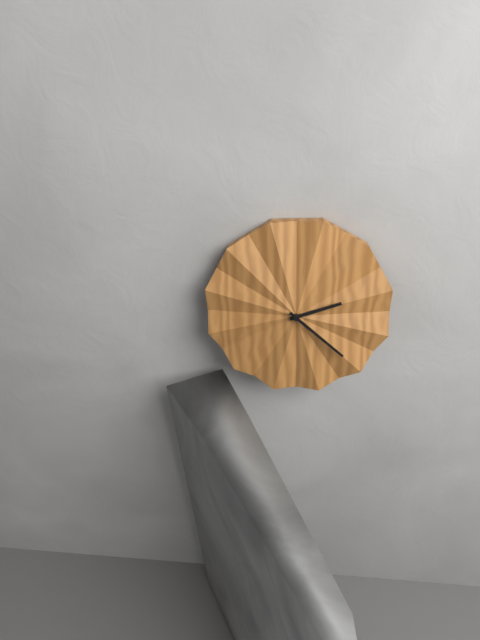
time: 2:22
